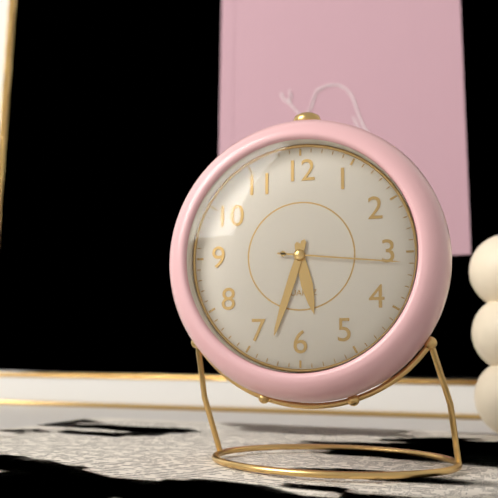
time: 5:33:16
